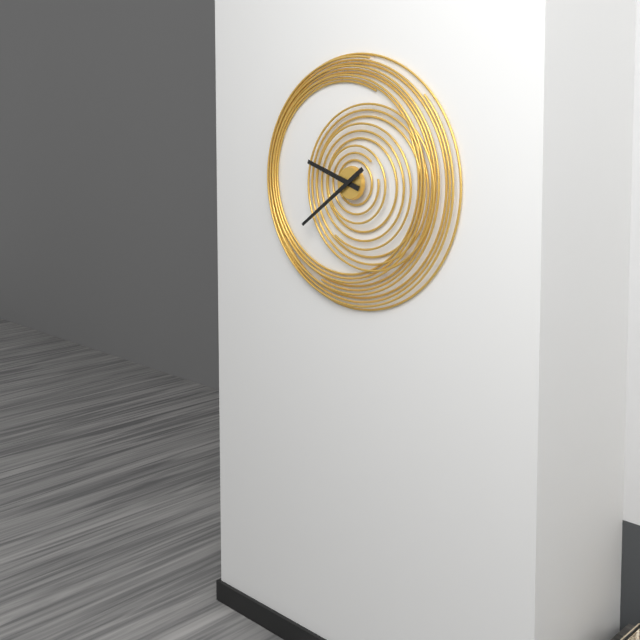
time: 9:39
